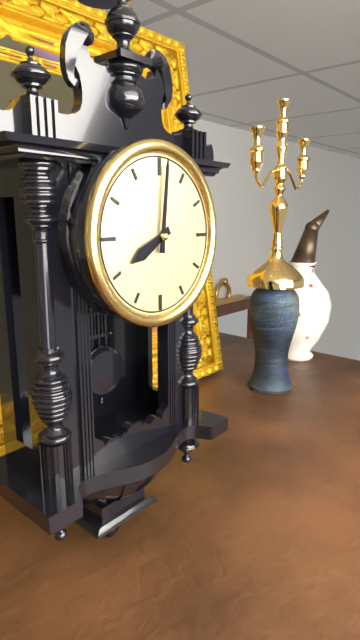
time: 8:01
